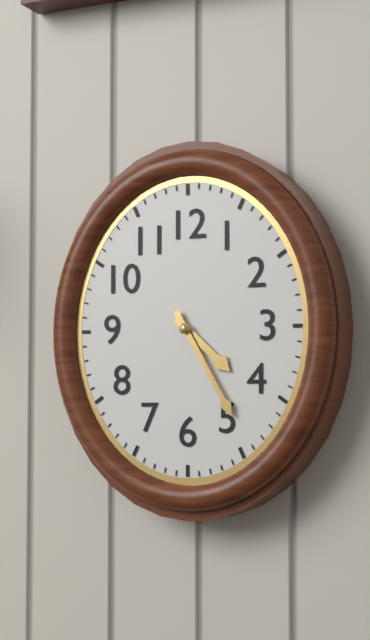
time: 4:25
